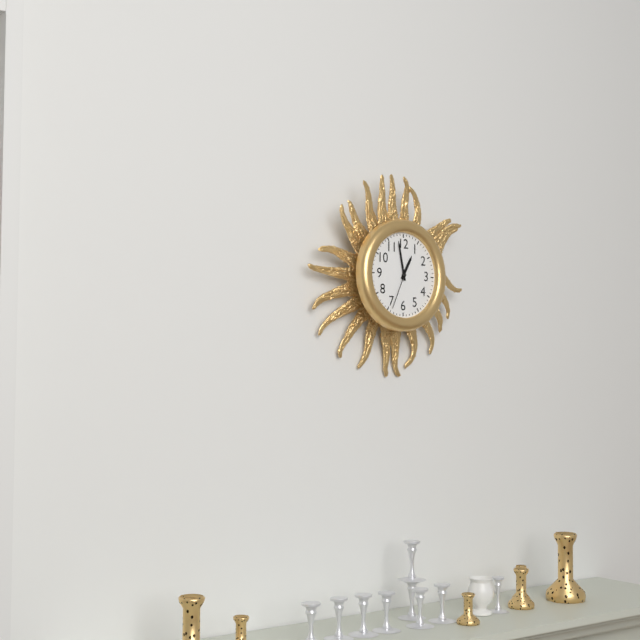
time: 12:58
